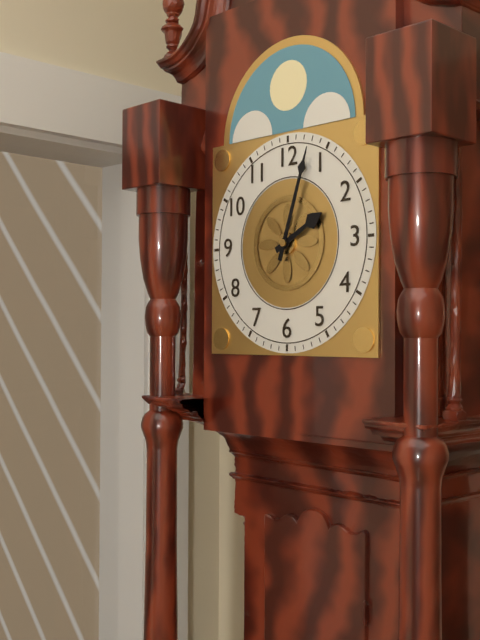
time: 2:03
